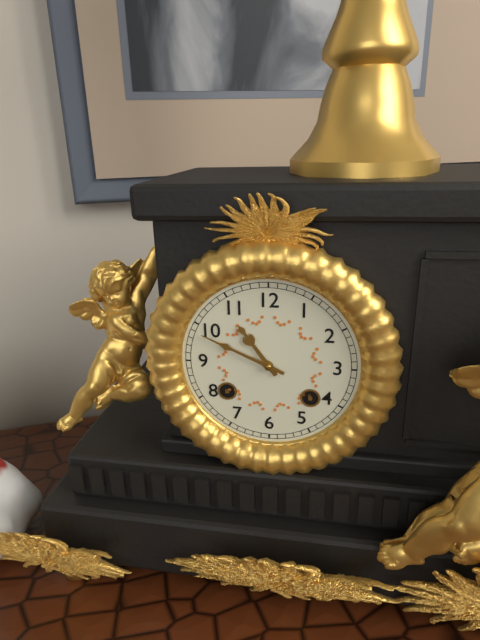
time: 10:49
